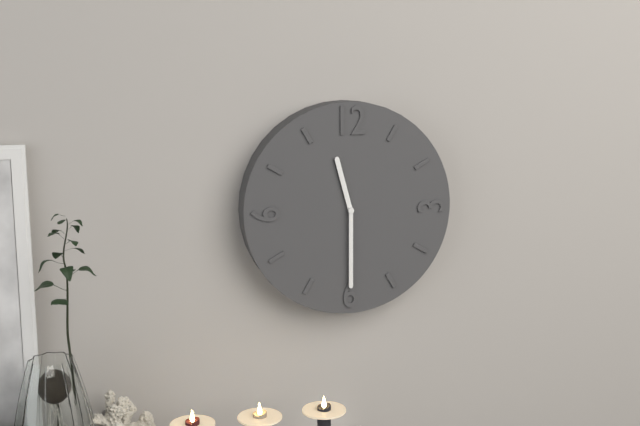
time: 11:30
